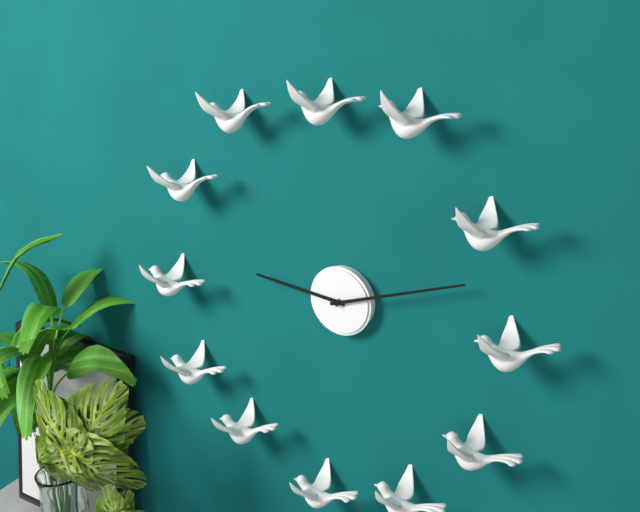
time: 9:12
